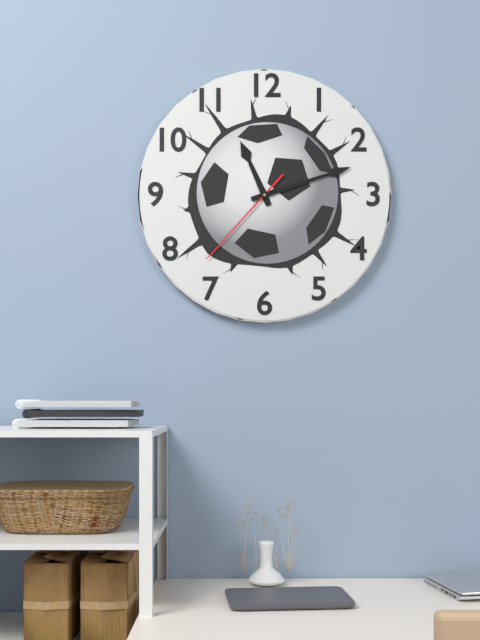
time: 11:12:37
